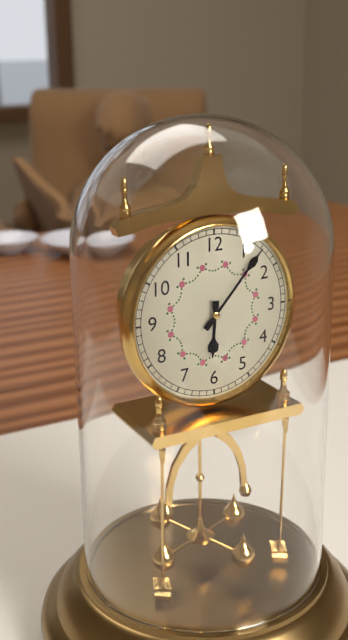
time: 6:07
